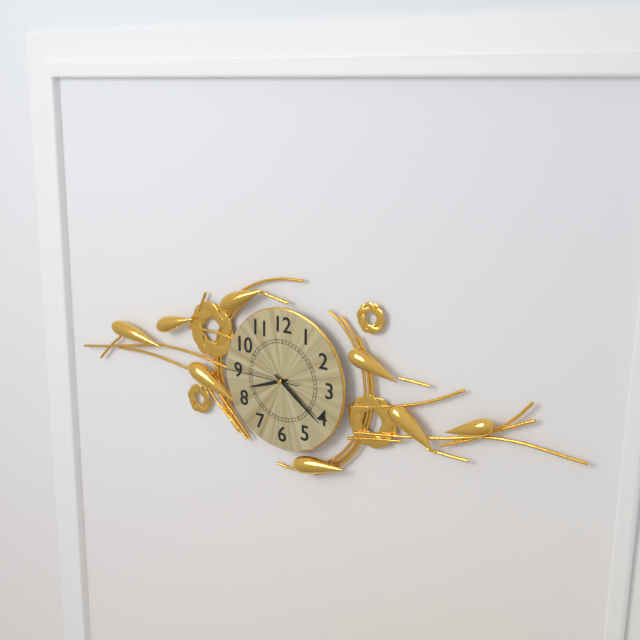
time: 8:21:45
